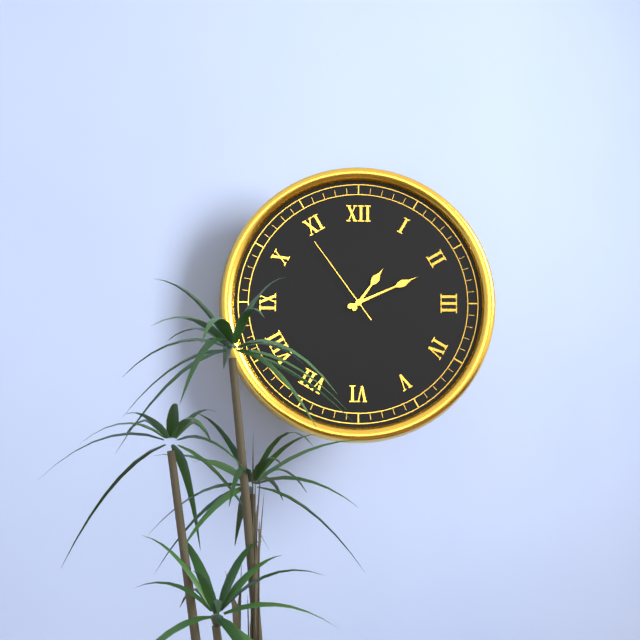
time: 1:11:54
